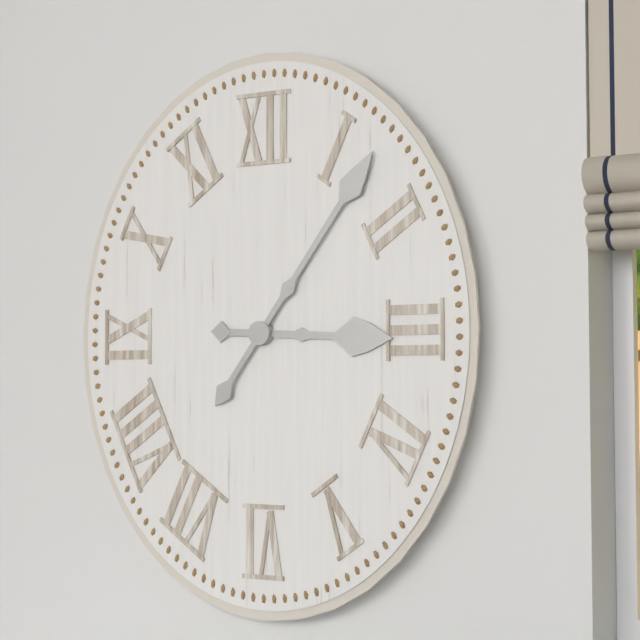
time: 3:06
